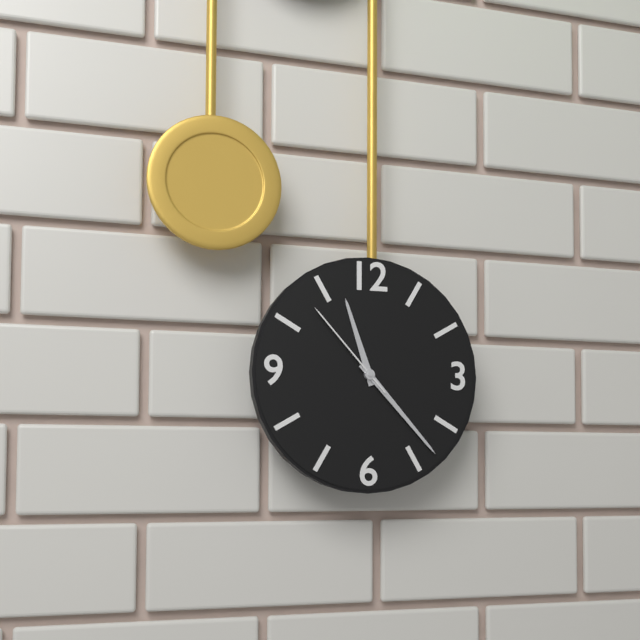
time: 11:23:53
